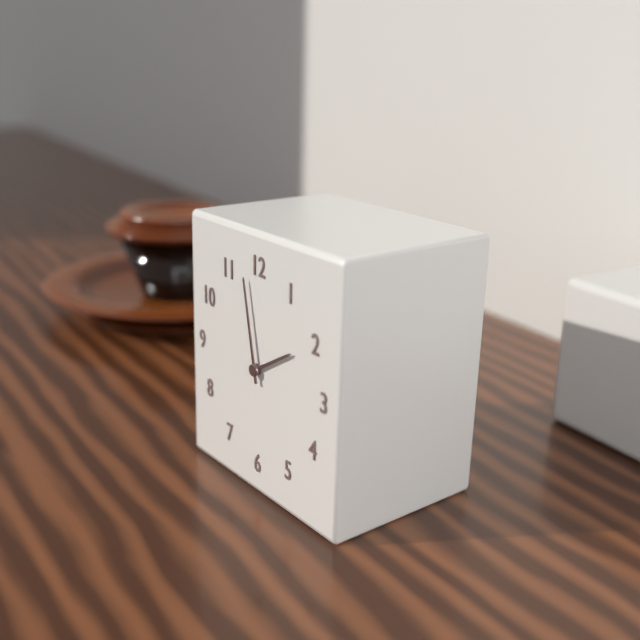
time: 1:58
